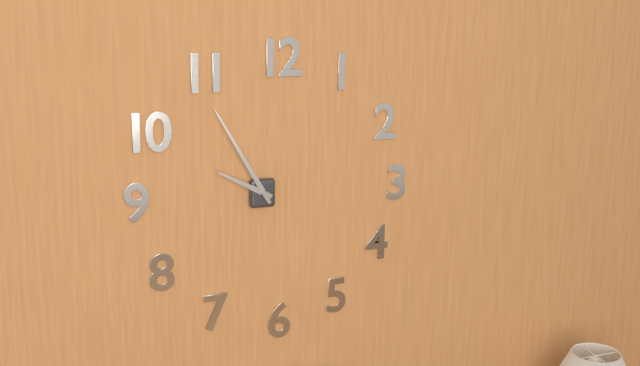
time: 9:55
